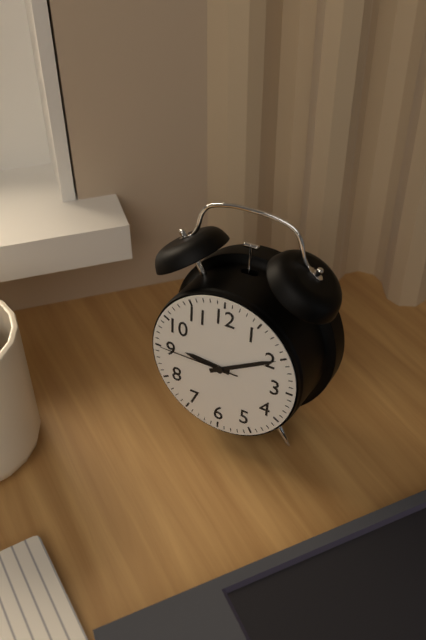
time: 9:10:45
